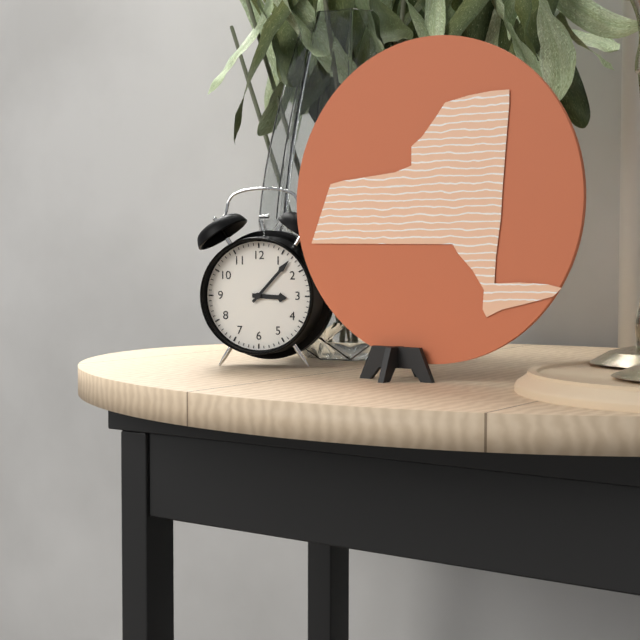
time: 3:07
